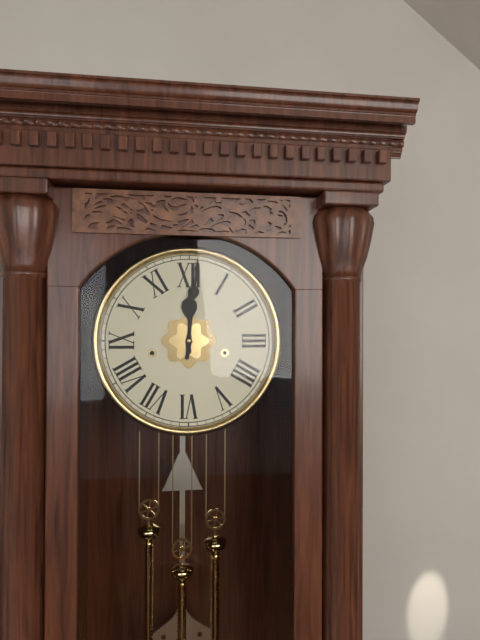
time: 12:01
